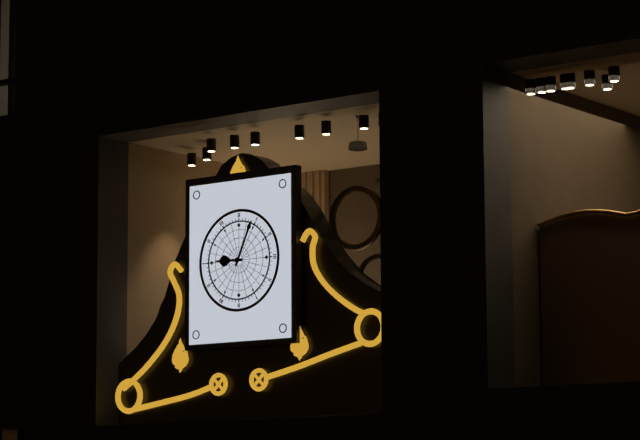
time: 9:04
